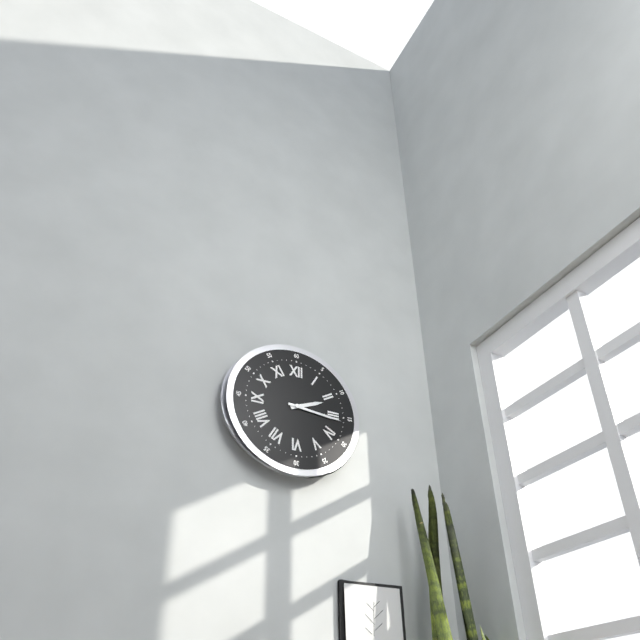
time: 2:16
